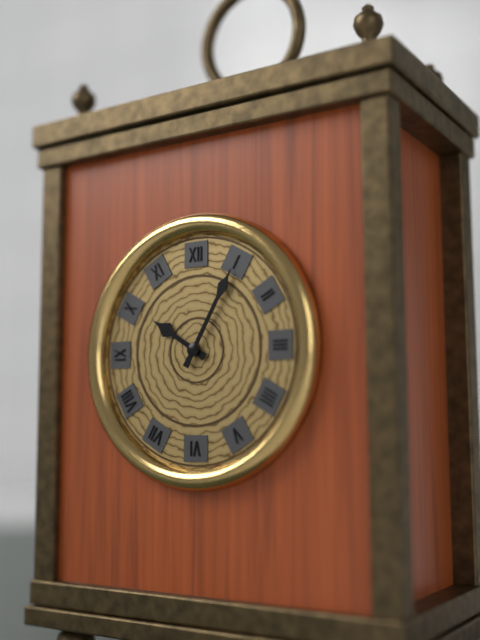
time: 10:05
